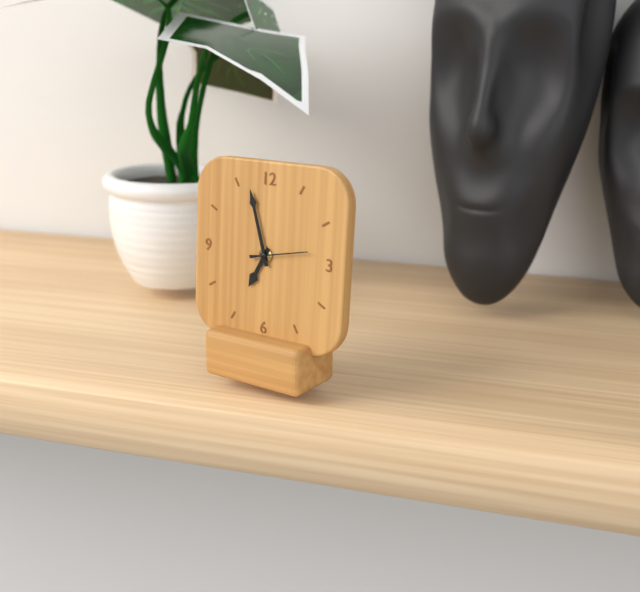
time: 6:57
